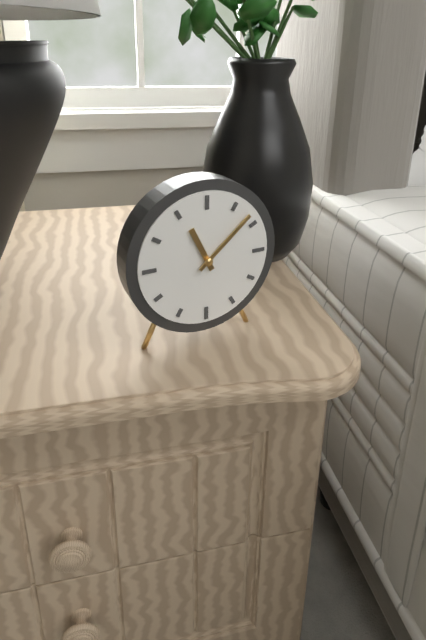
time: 11:08
